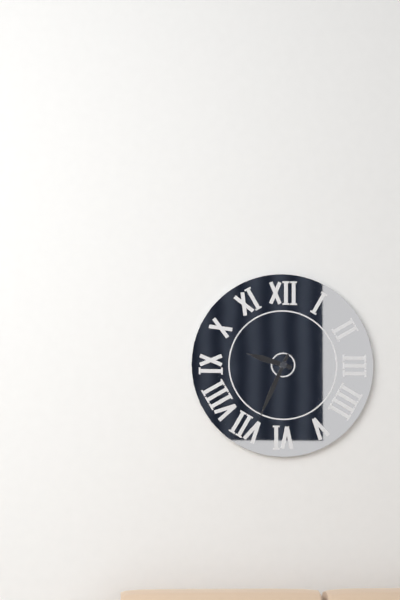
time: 9:34
